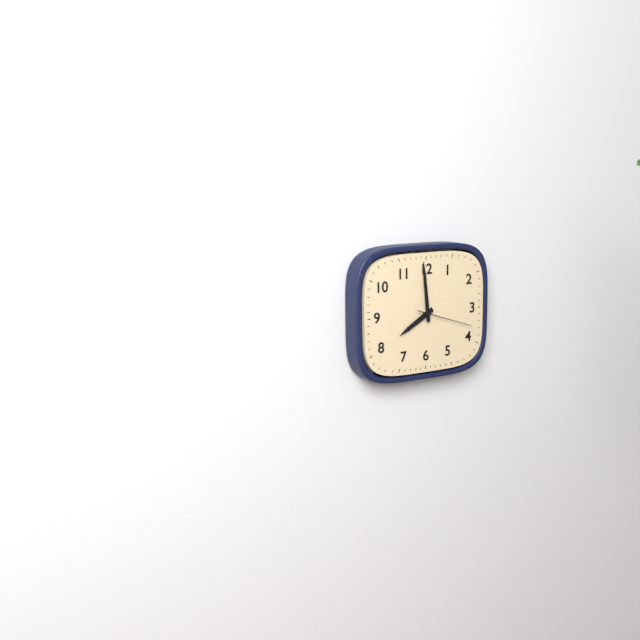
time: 7:59:18
